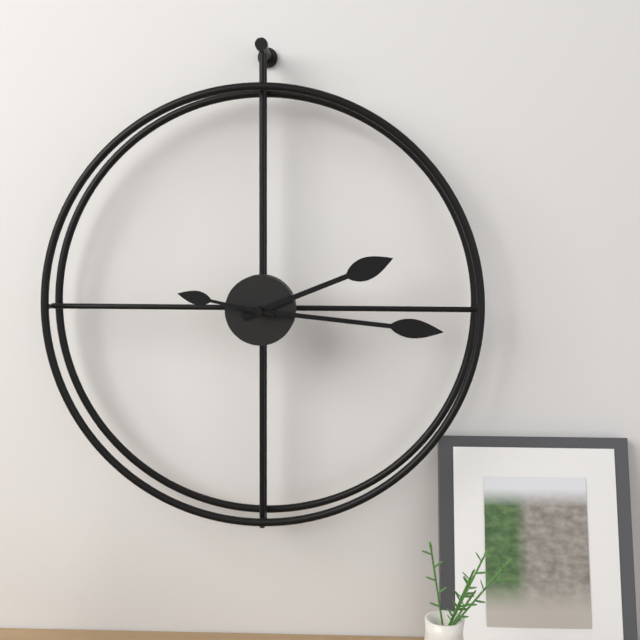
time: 2:16:47
